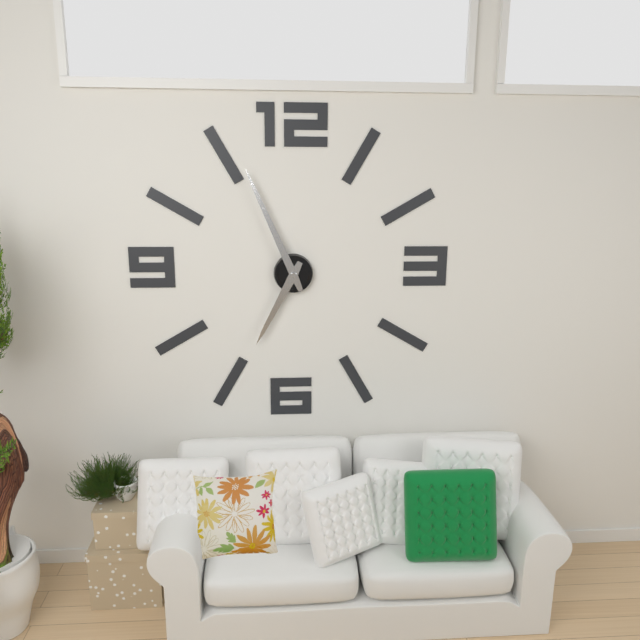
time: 6:56
